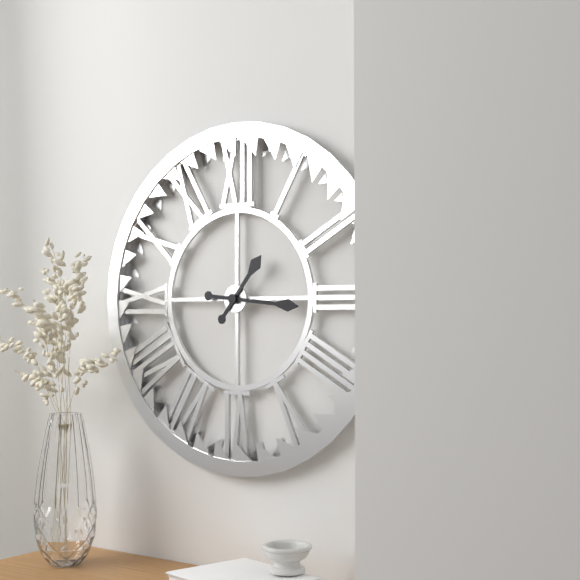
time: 1:16
